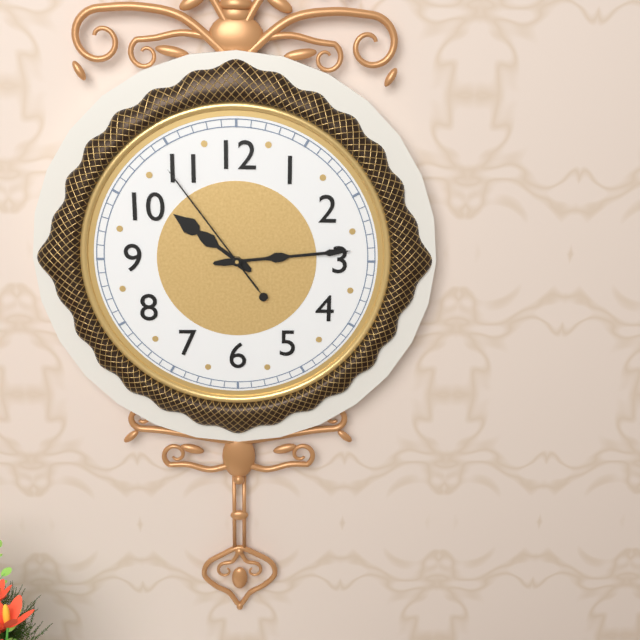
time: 10:14:54
